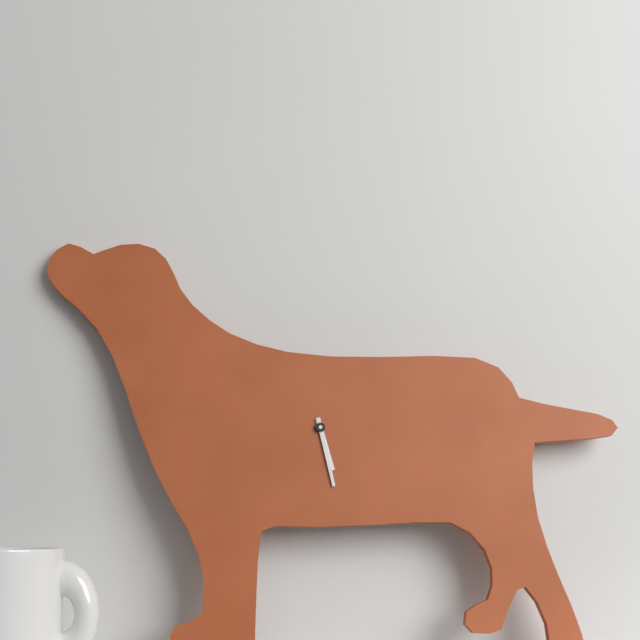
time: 5:28
